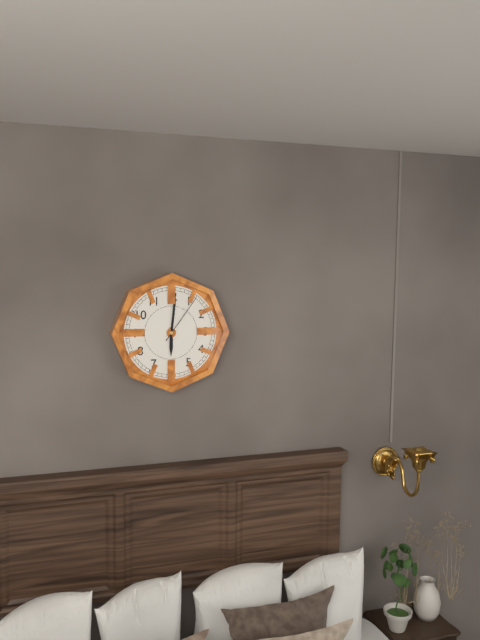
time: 6:01:06
